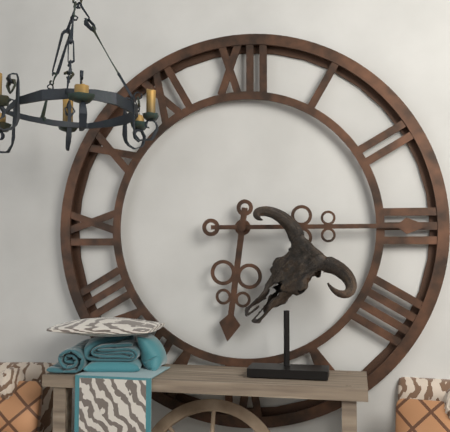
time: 6:15
